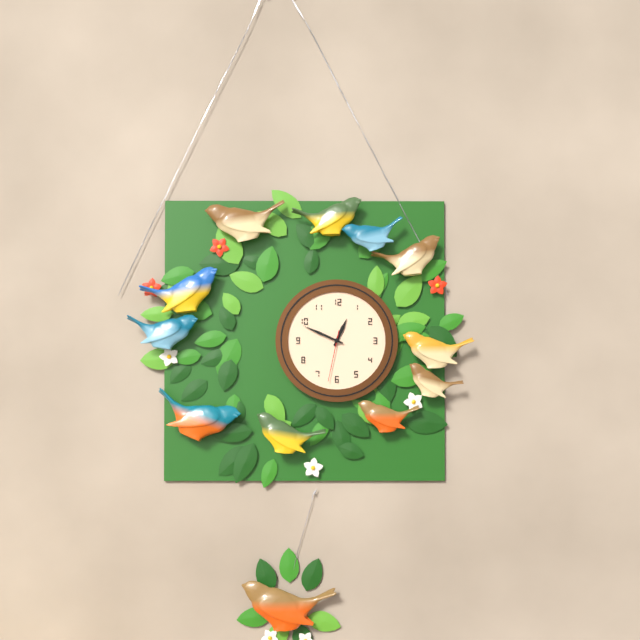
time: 12:49:32
